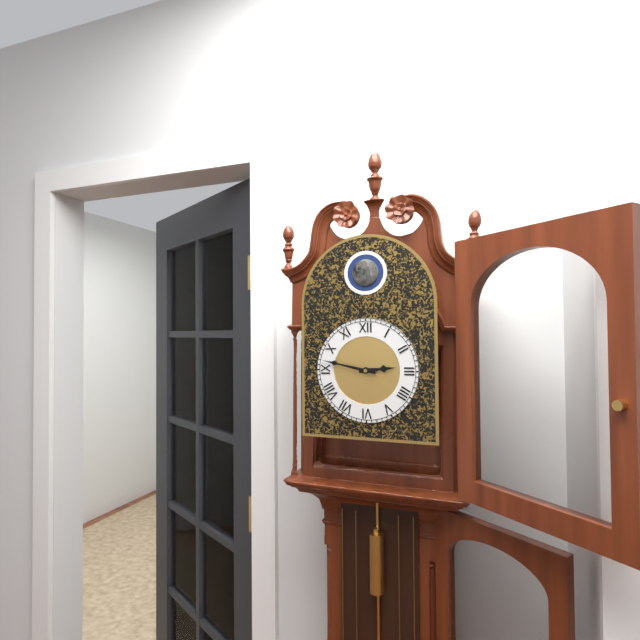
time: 2:47
